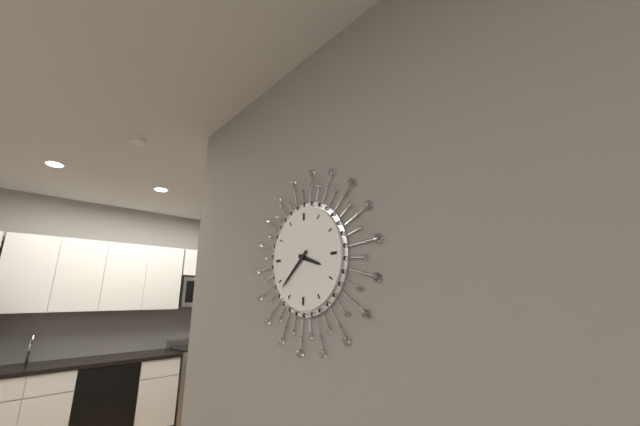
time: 3:38
